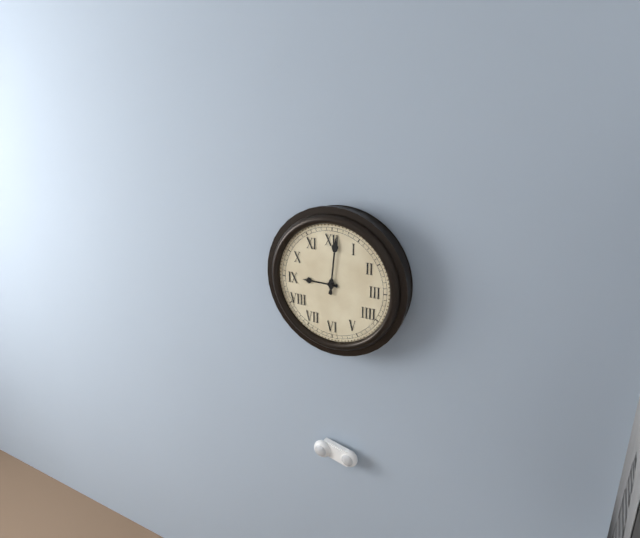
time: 9:01
